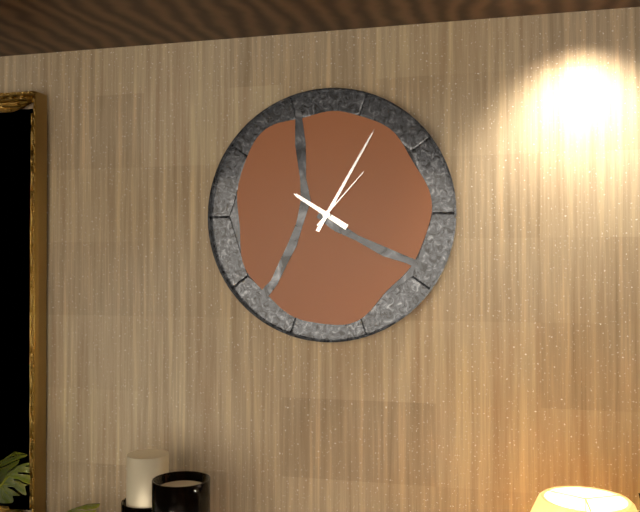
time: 10:05:07
